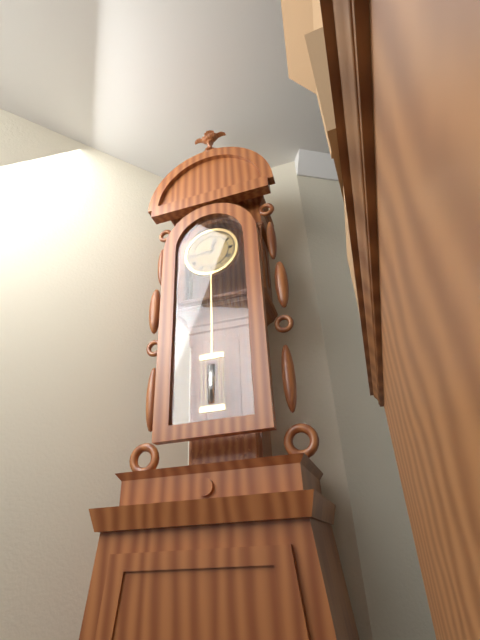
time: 12:44
